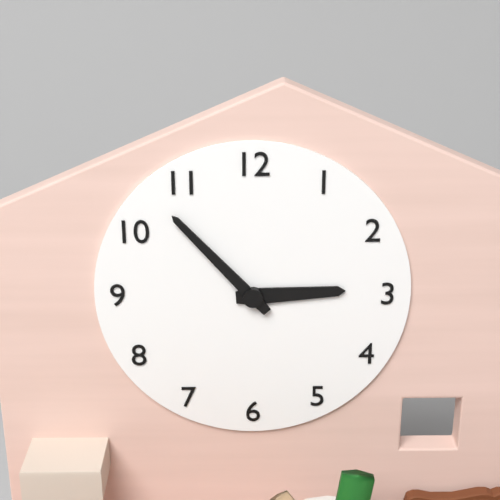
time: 2:53
